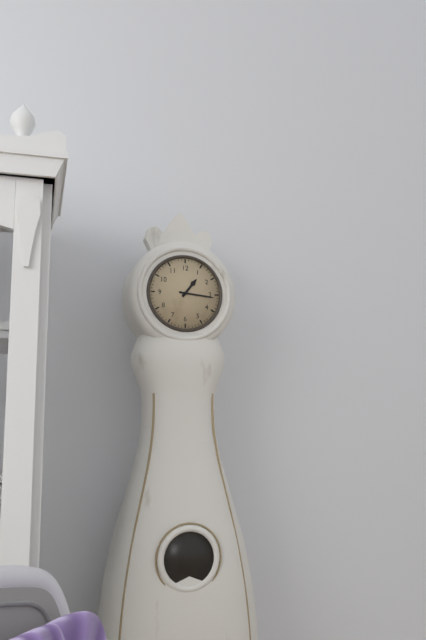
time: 1:16
